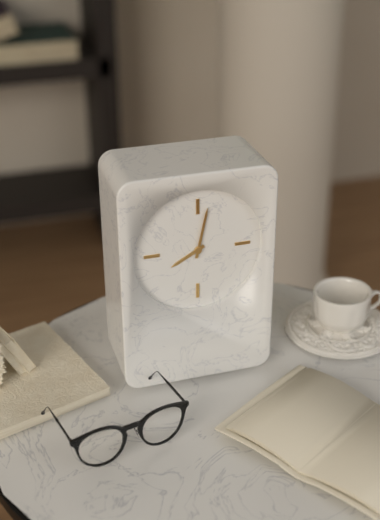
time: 8:02
